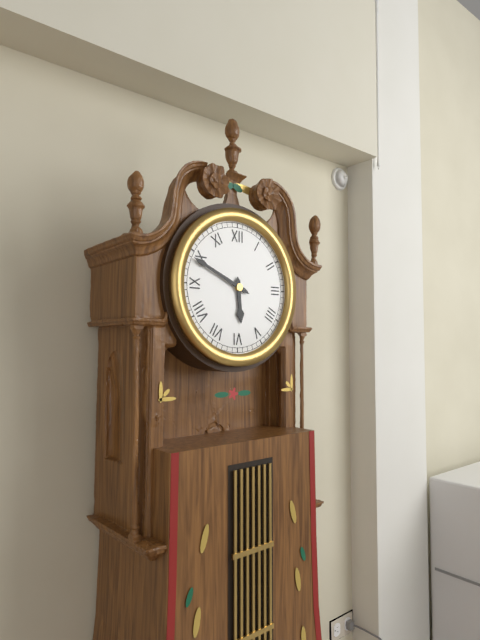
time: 5:49
